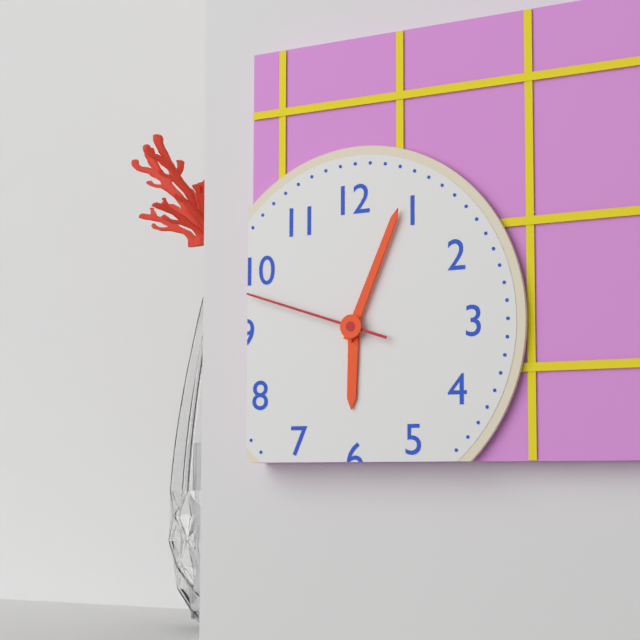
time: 6:04:48
